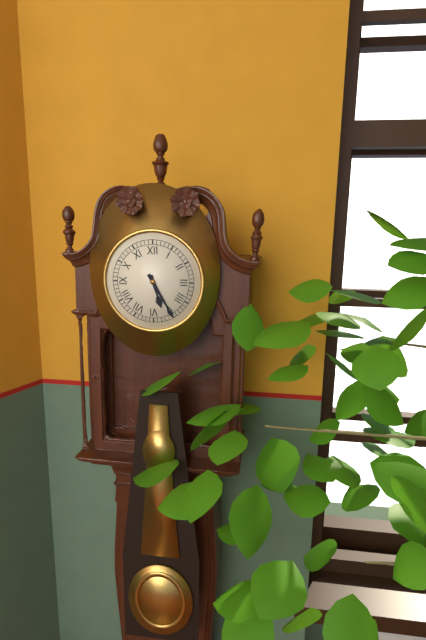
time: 5:25
